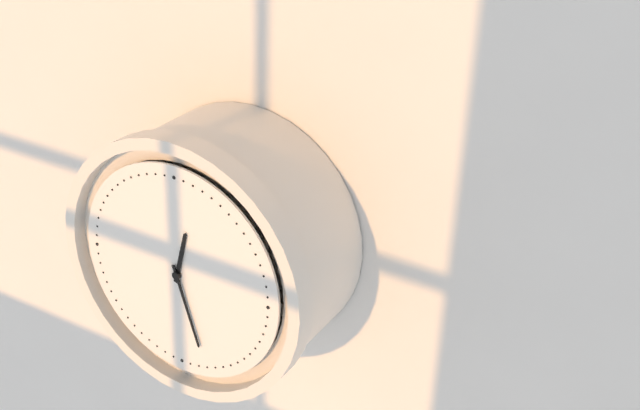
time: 12:27
